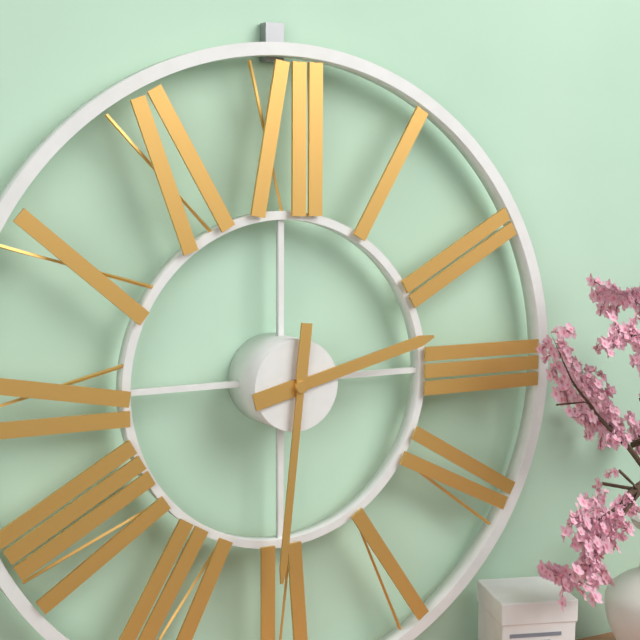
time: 2:31
